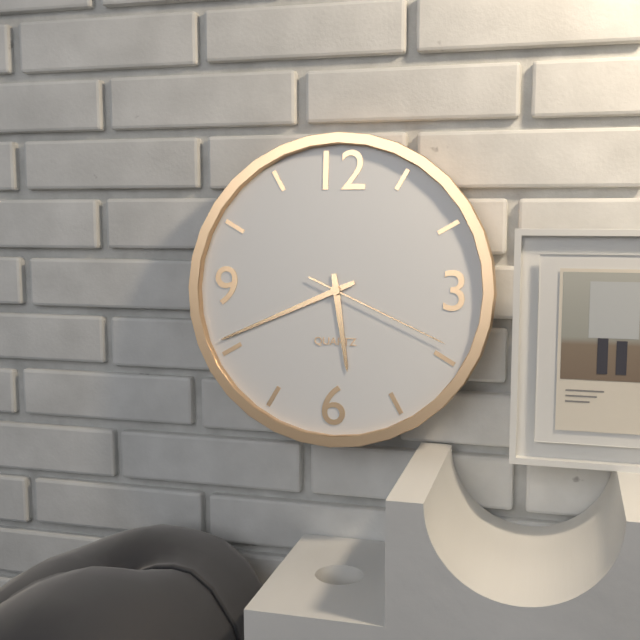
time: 5:41:19
